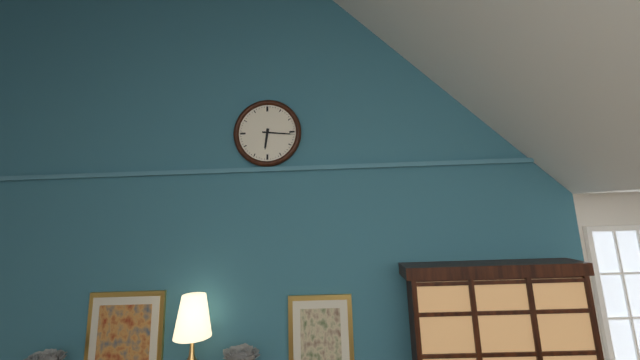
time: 6:16
